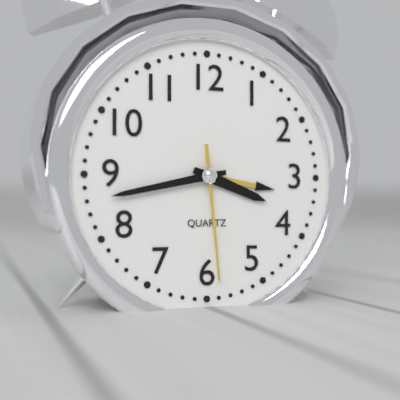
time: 3:43:29
